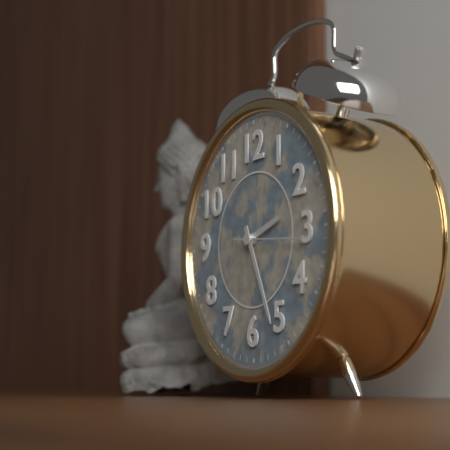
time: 2:26:16
